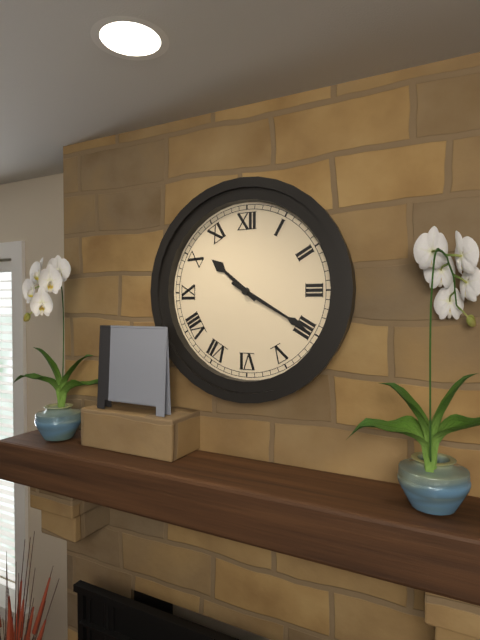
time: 10:20
